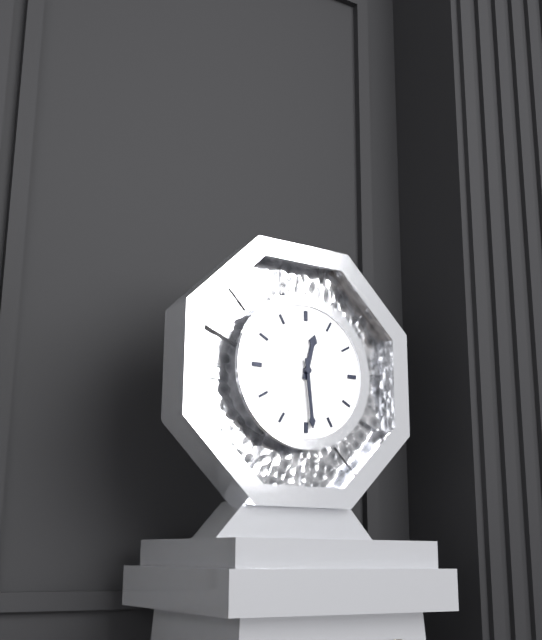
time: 12:29
